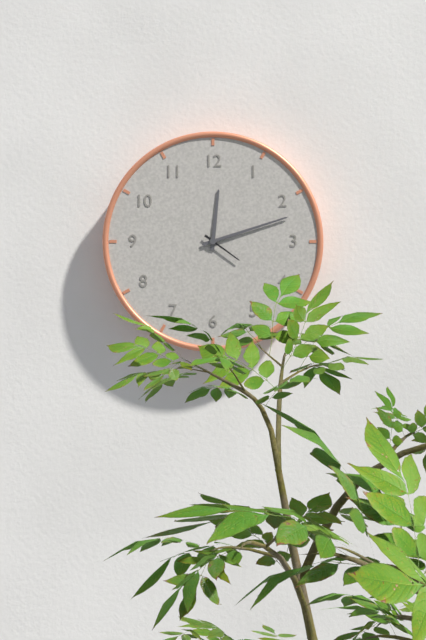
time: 12:12
